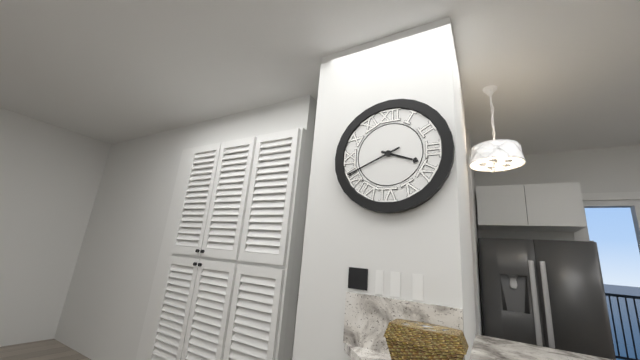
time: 3:41
